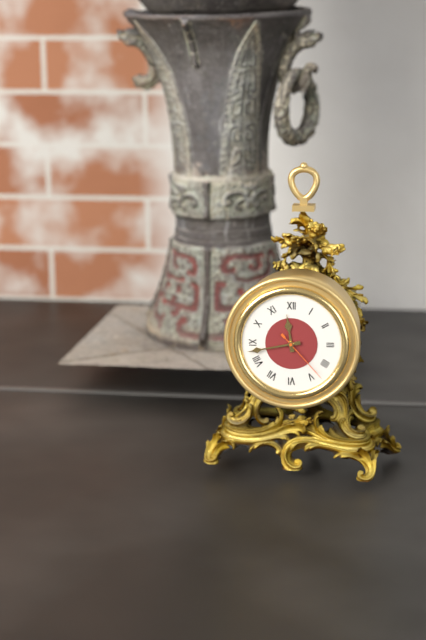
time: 11:43:23
